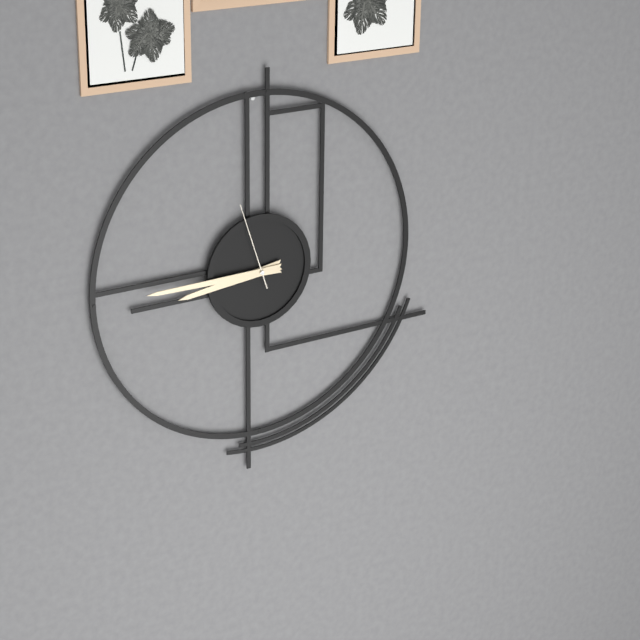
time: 8:45:57
